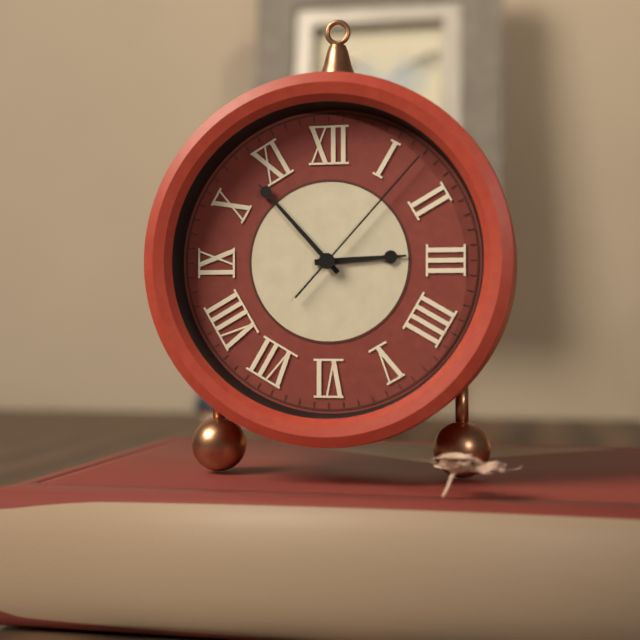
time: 2:53:07
